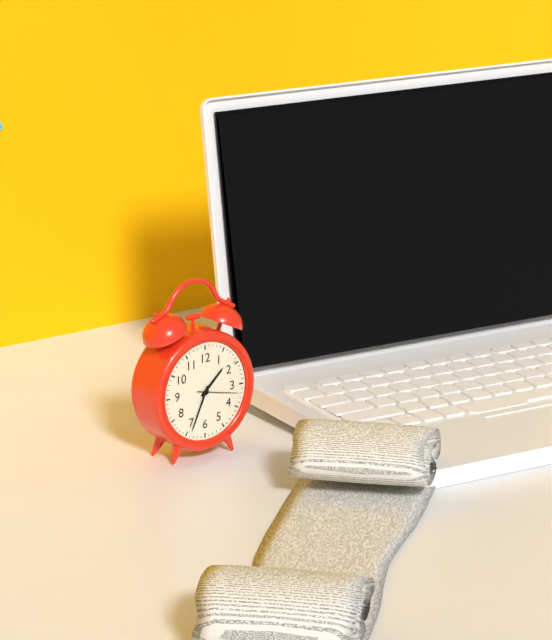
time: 1:34
